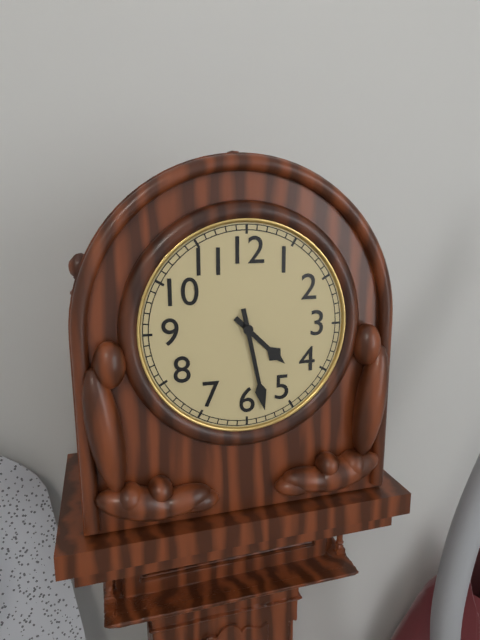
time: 4:28
